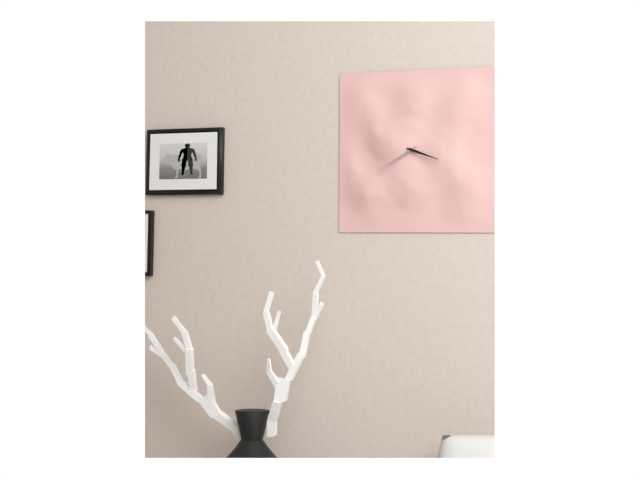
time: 3:40
